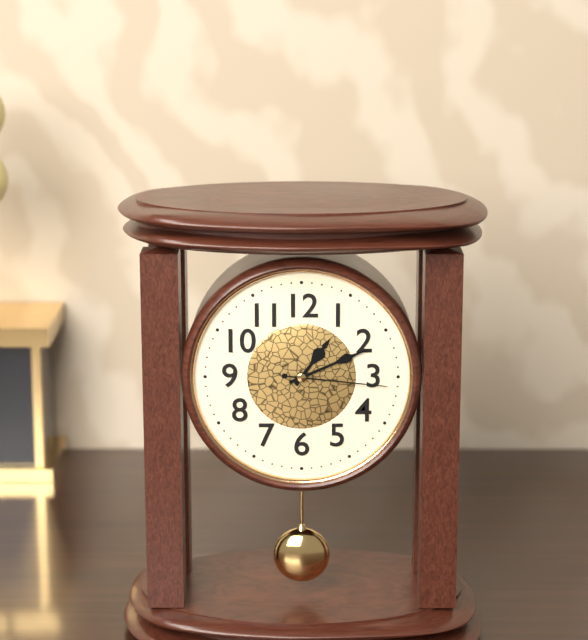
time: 1:11:16
